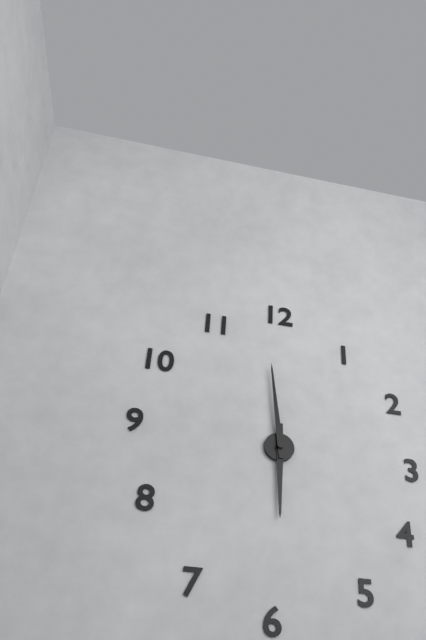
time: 5:59
